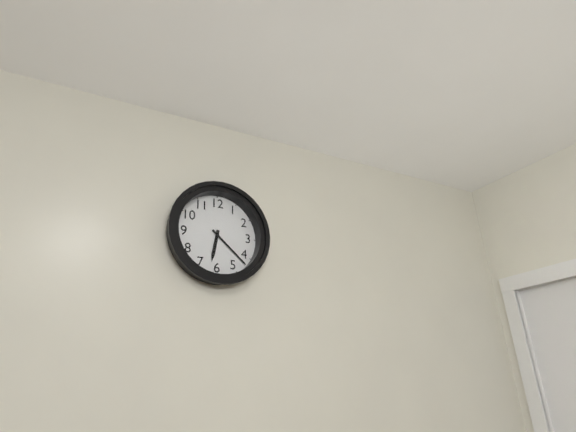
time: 6:22
